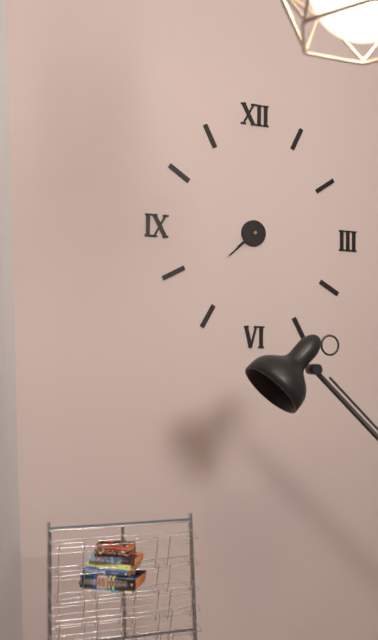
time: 7:38
